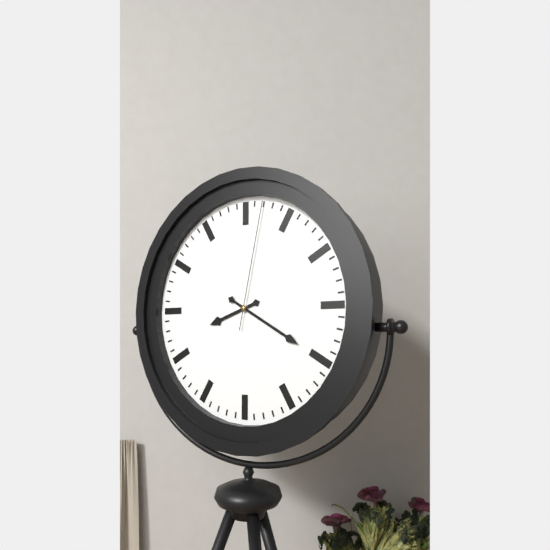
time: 8:20:02
